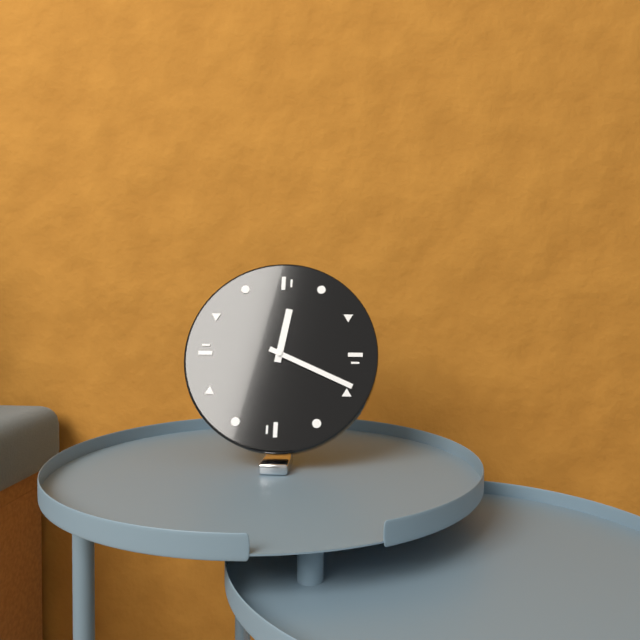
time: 12:19
